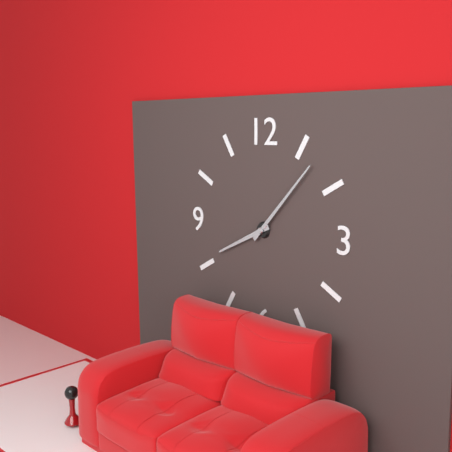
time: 8:07
